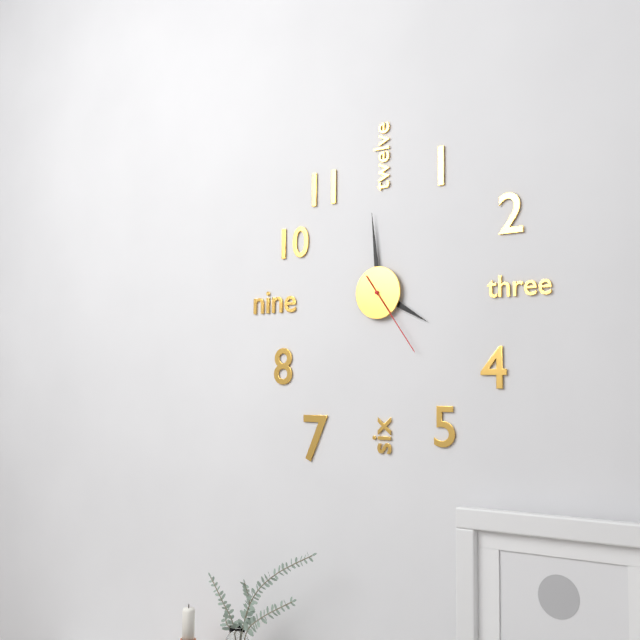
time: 3:59:24
